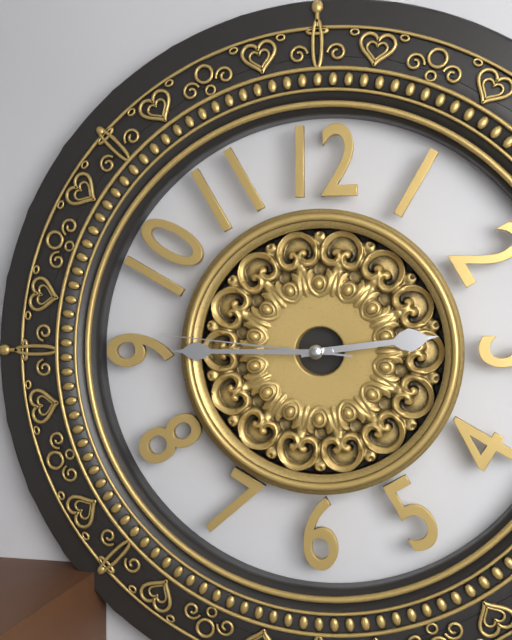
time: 2:45:46
